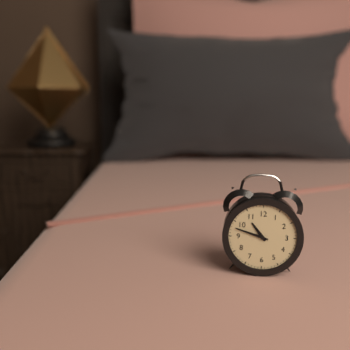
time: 10:48
